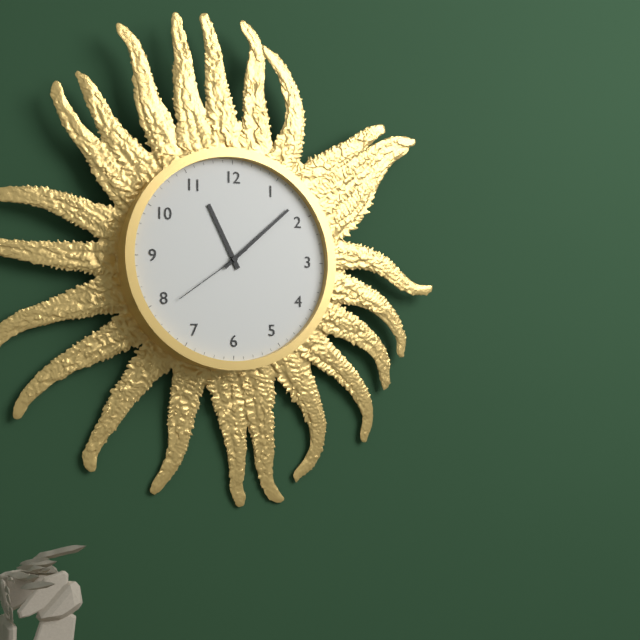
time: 11:08:39
